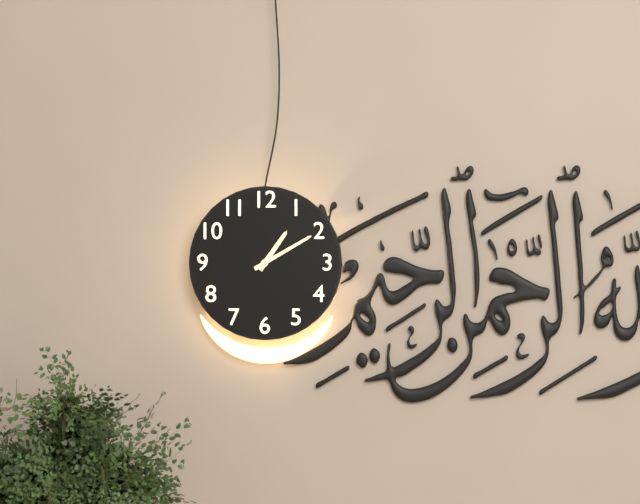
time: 1:10
